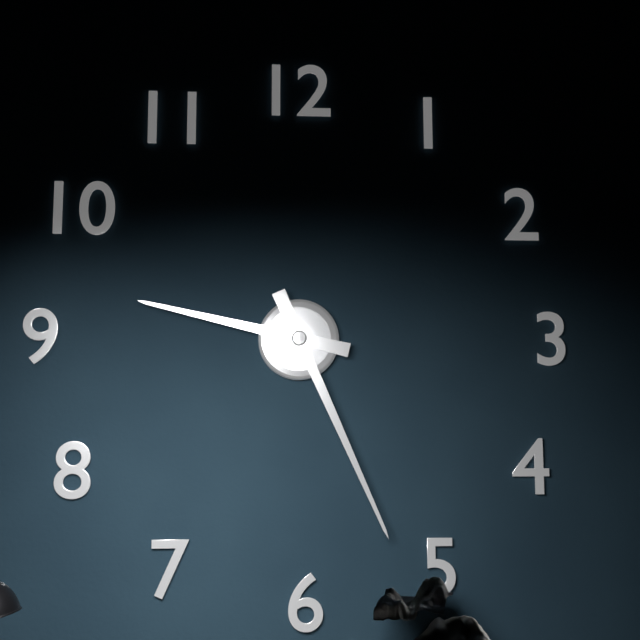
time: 9:26
